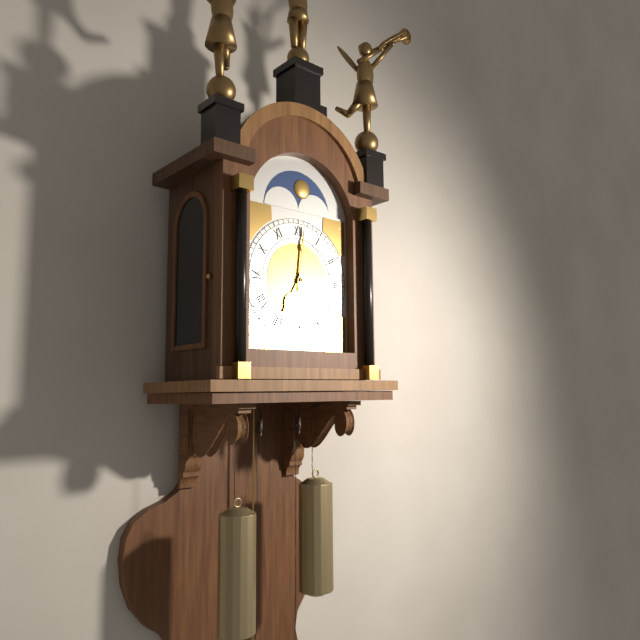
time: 7:01
